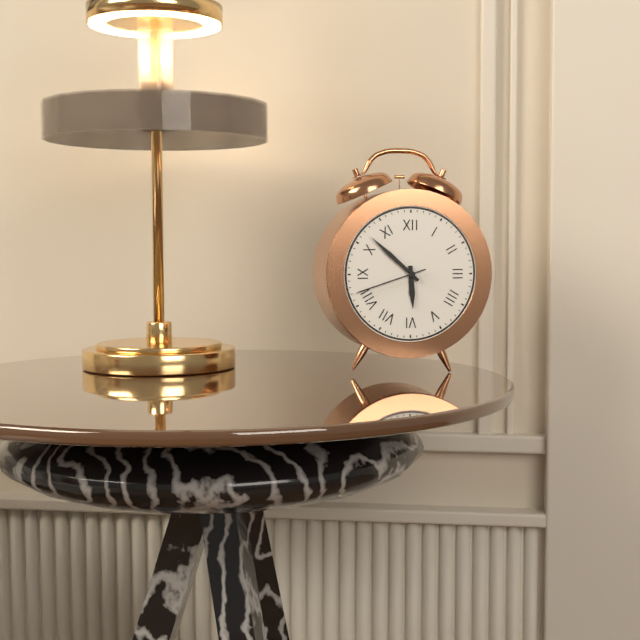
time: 5:52:42
